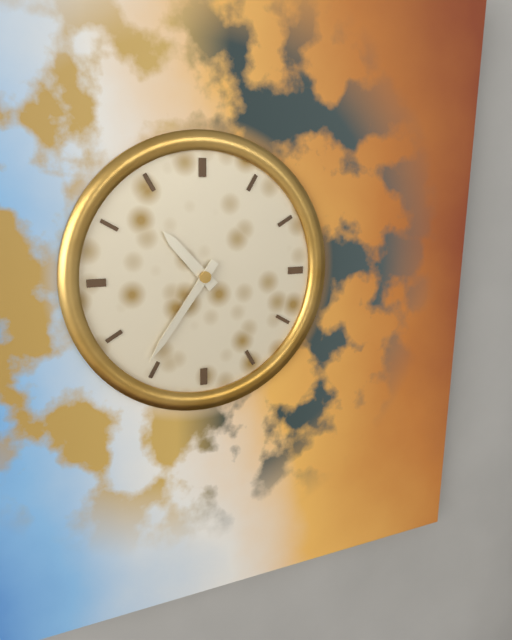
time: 10:36
